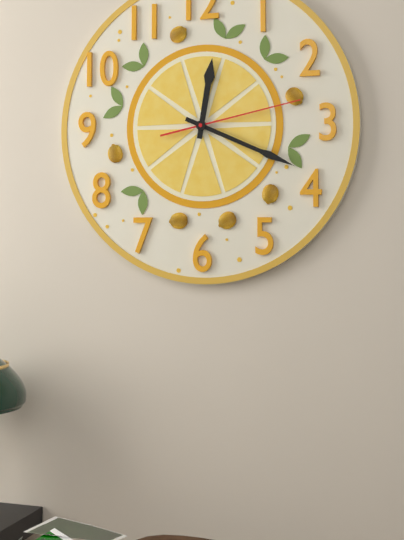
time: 12:19:13
